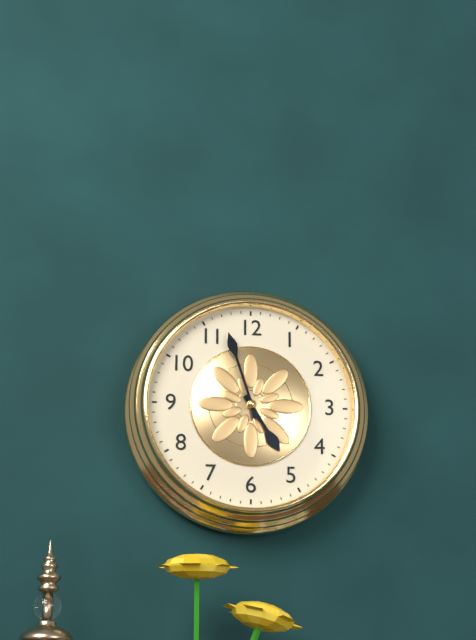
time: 4:57
